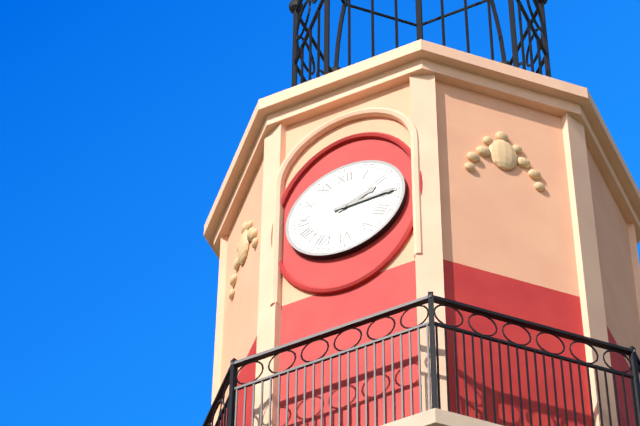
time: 2:15
